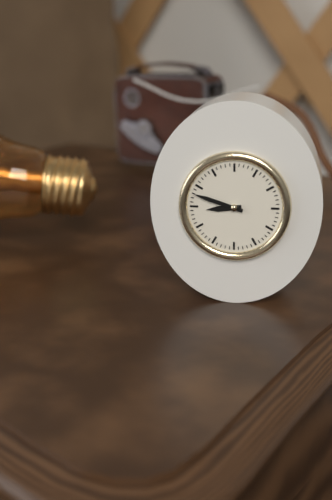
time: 8:48
